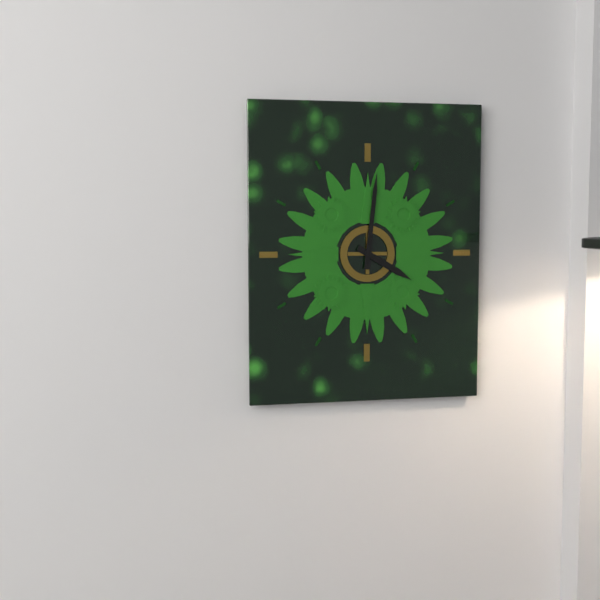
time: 4:01
